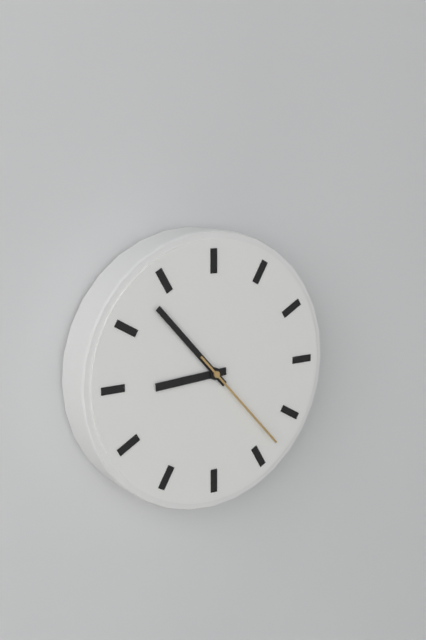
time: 8:53:23
